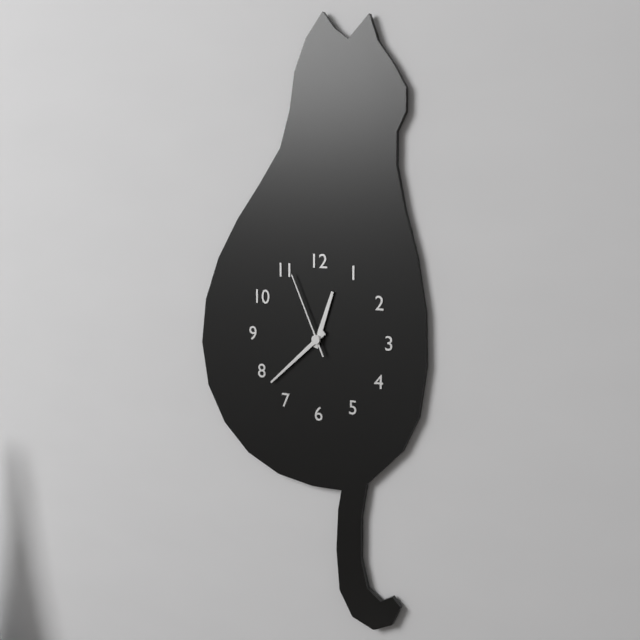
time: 12:38:56
